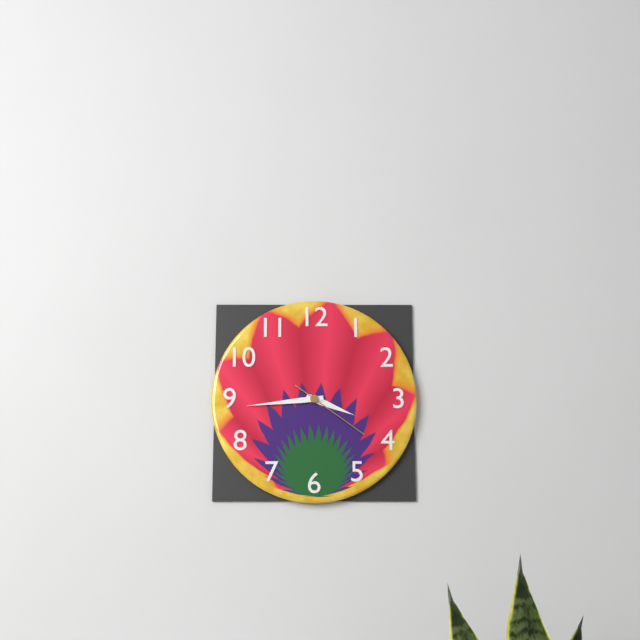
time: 3:44:21
